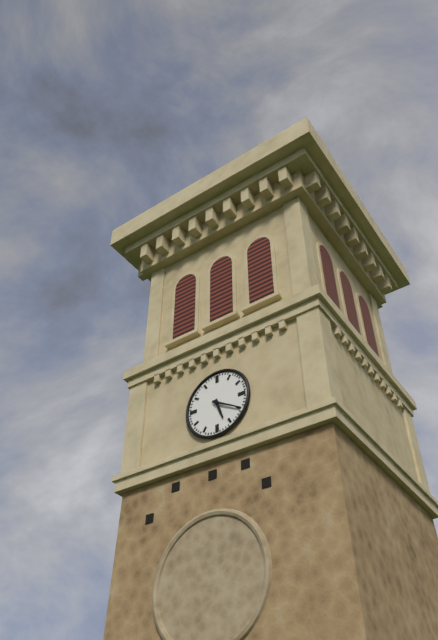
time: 5:20
